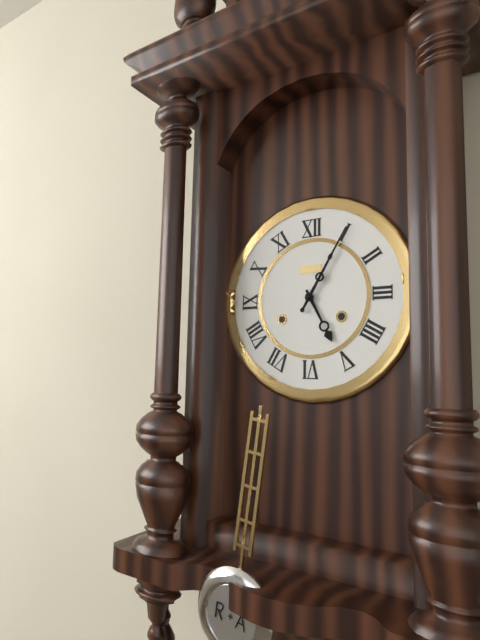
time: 5:05
